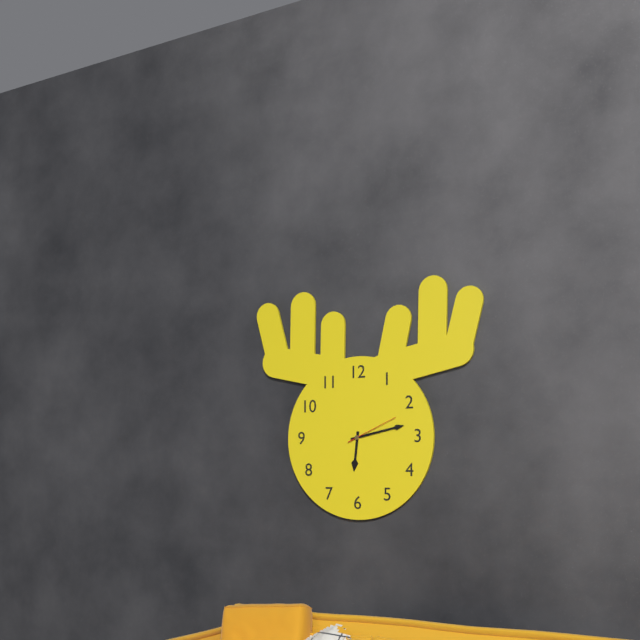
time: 6:13:11
